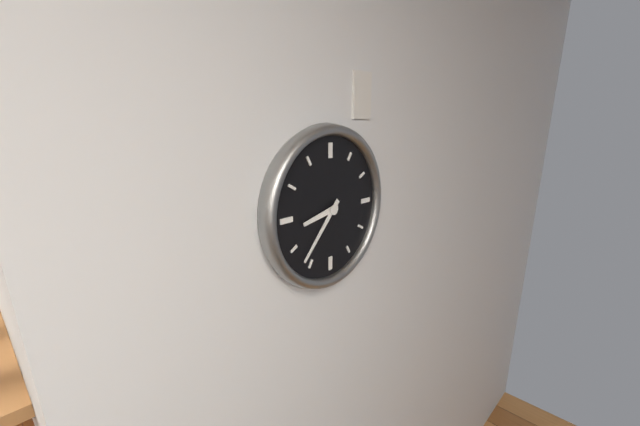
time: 8:37
